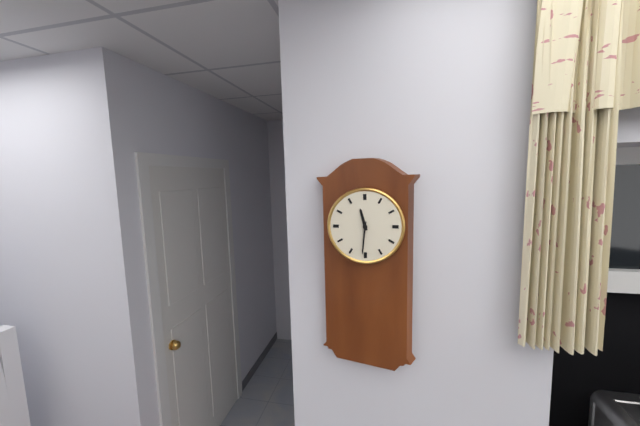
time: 11:31
